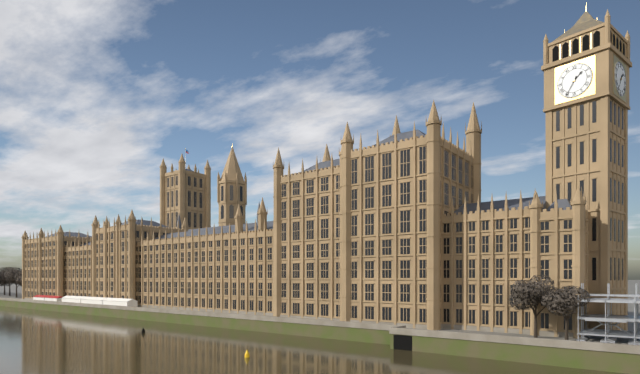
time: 1:35
